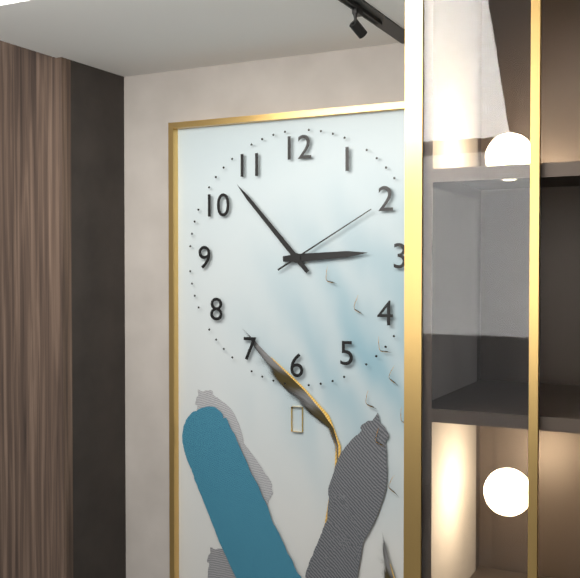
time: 2:53:10
